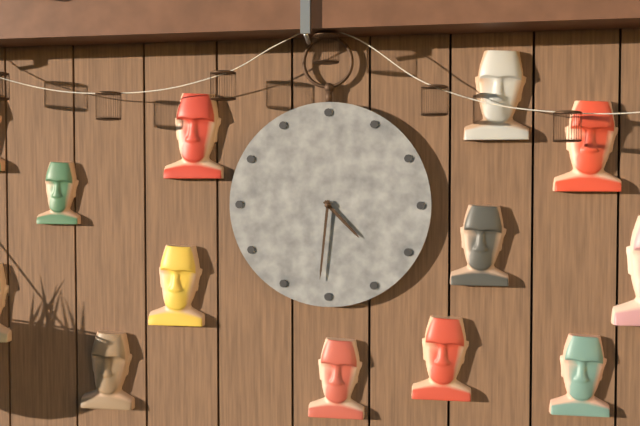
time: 4:31
